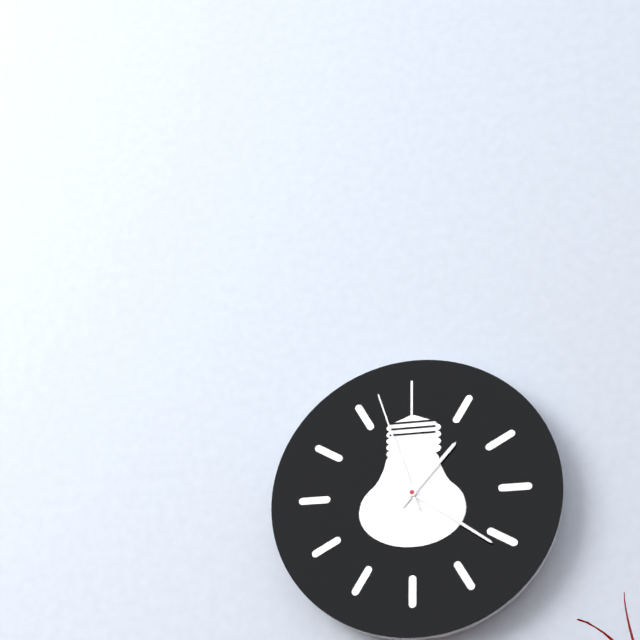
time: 1:21:57
